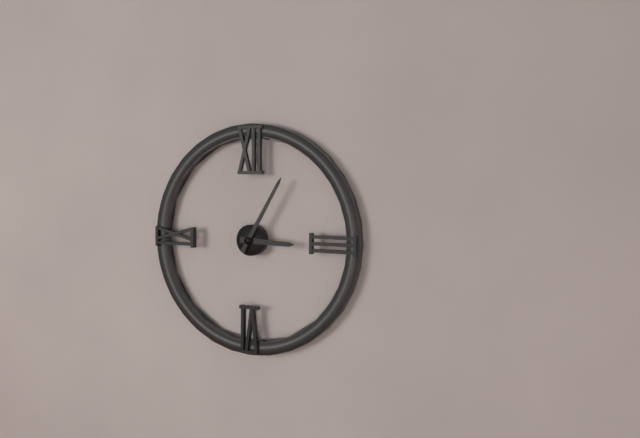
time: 3:05
